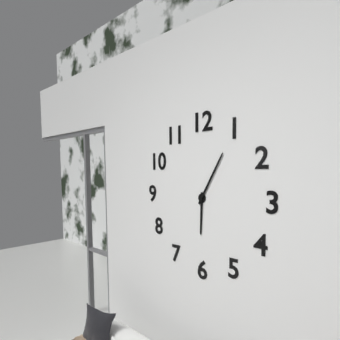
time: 6:05
